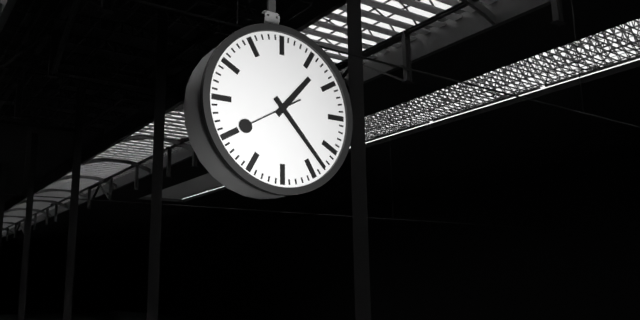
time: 1:23:40
